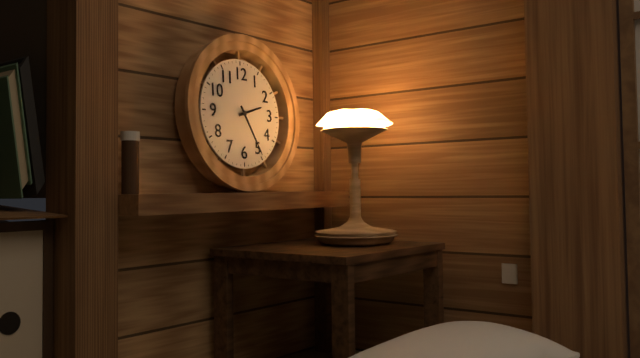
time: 2:25
